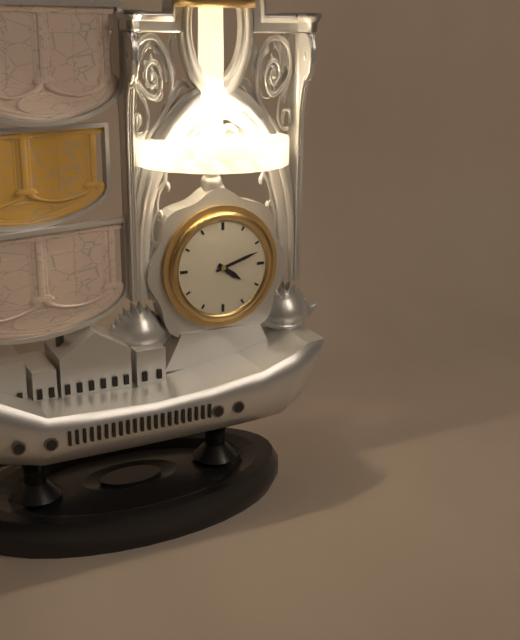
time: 4:12
